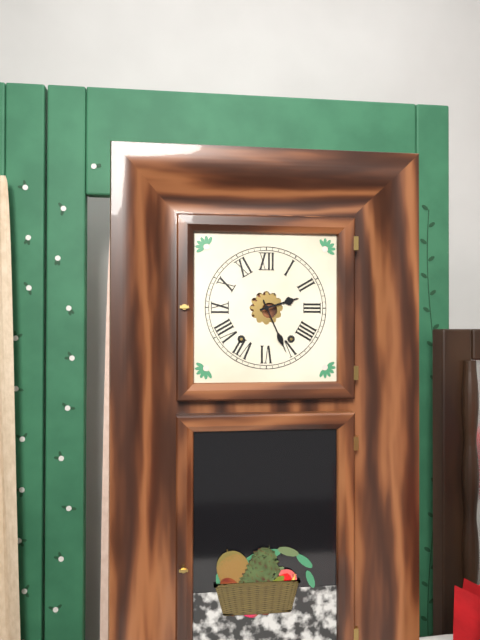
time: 2:26
